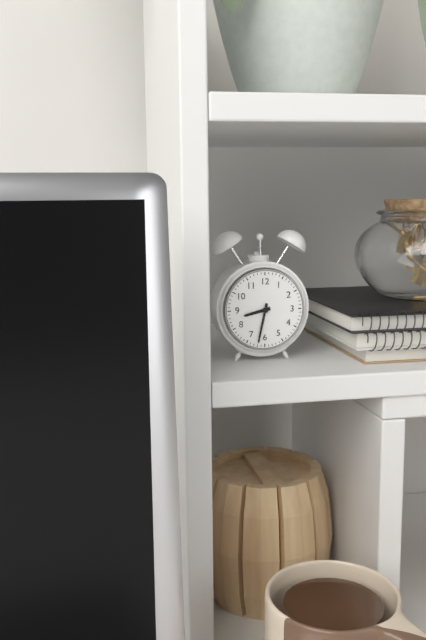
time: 8:32
